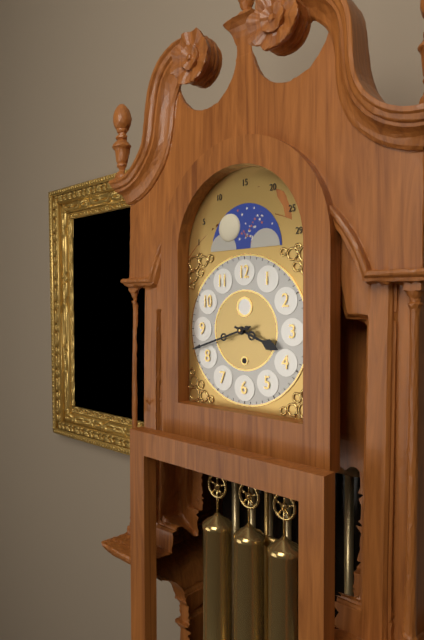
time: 3:42
